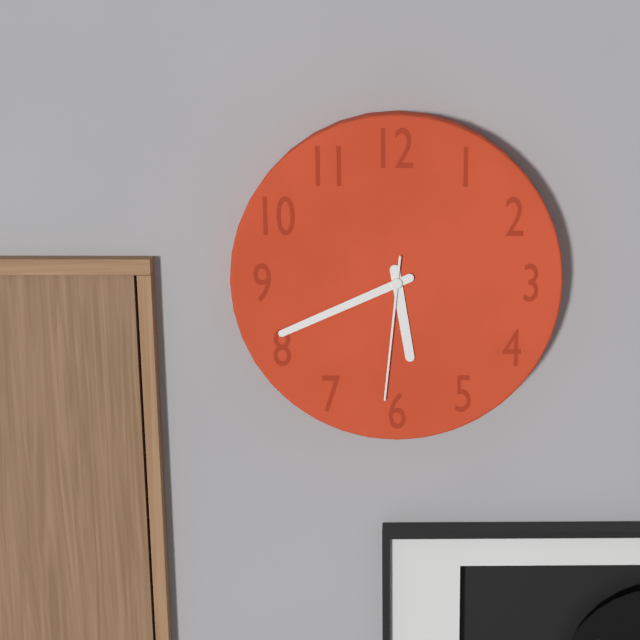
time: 5:41:31
